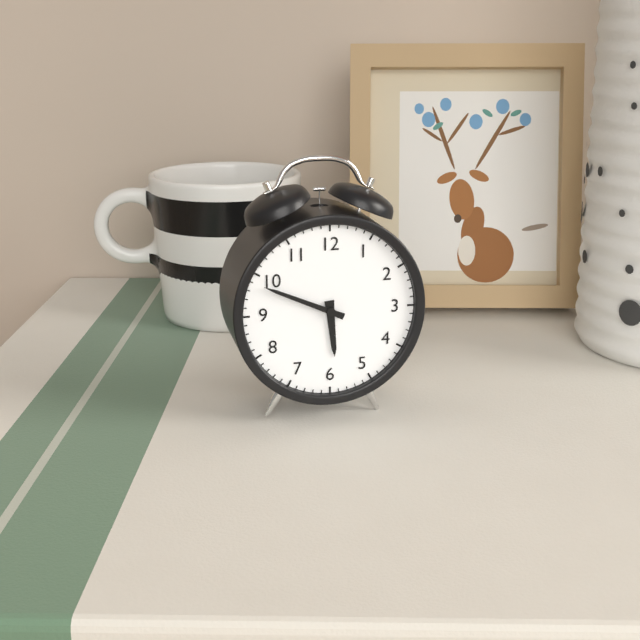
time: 5:49
